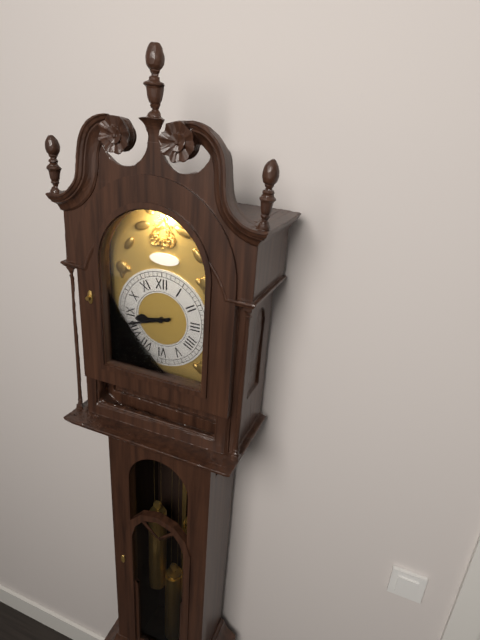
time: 8:42
